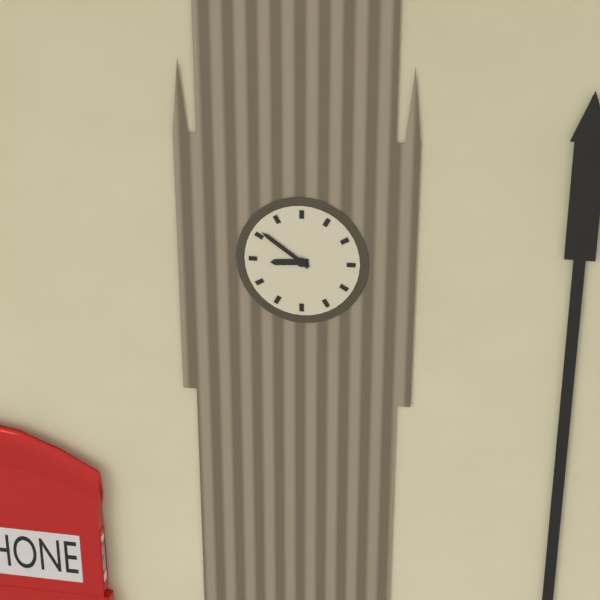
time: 8:51
